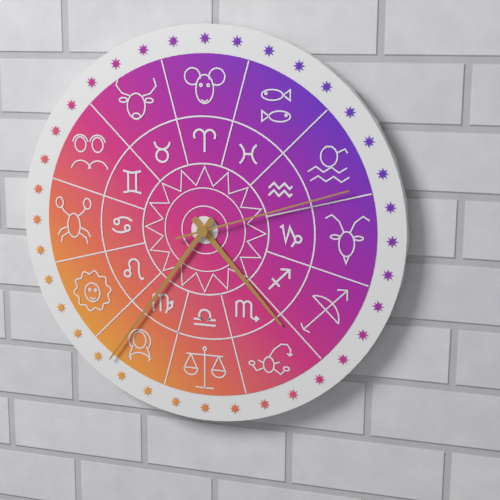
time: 4:36:12
